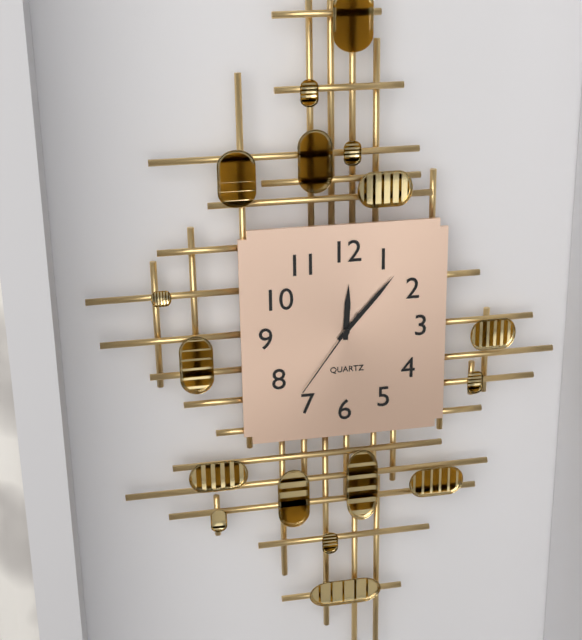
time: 12:07:36
